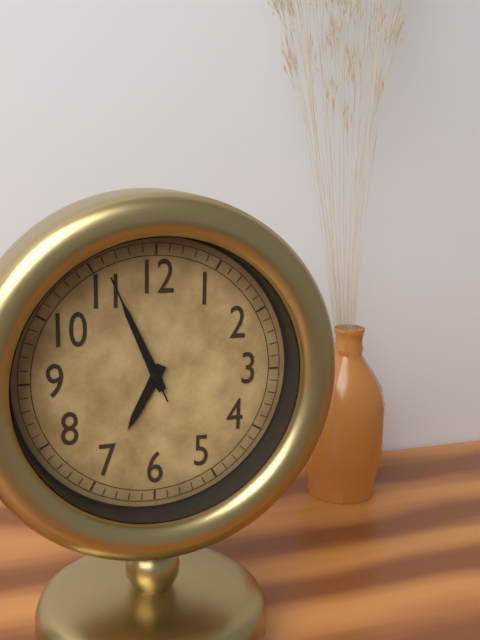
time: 6:56:56
